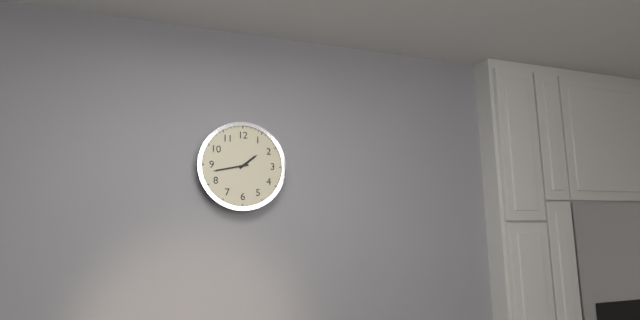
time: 1:43
